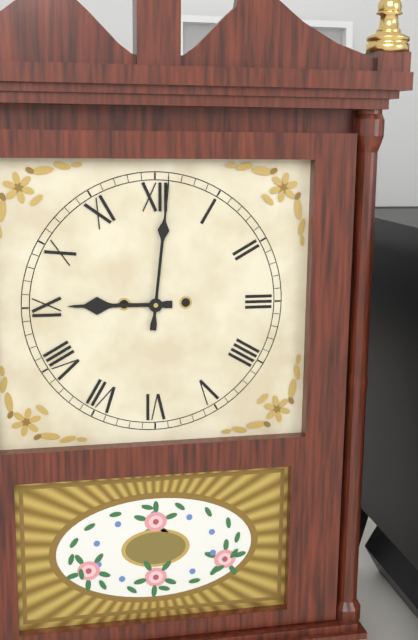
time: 9:01
